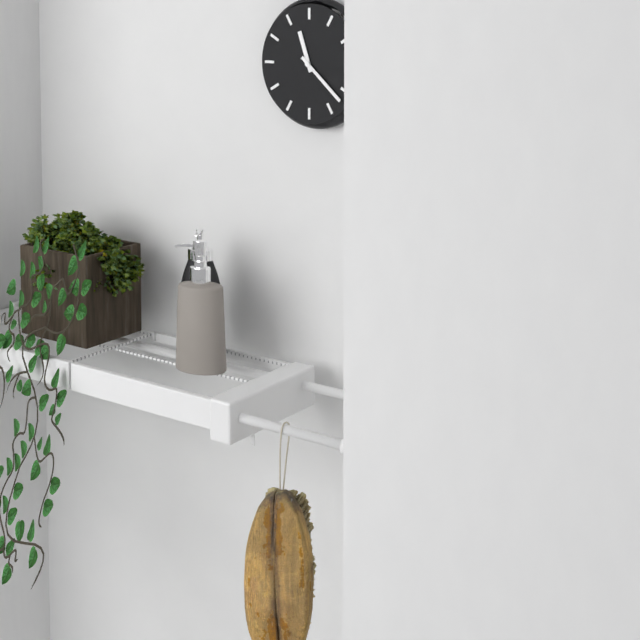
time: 11:22
